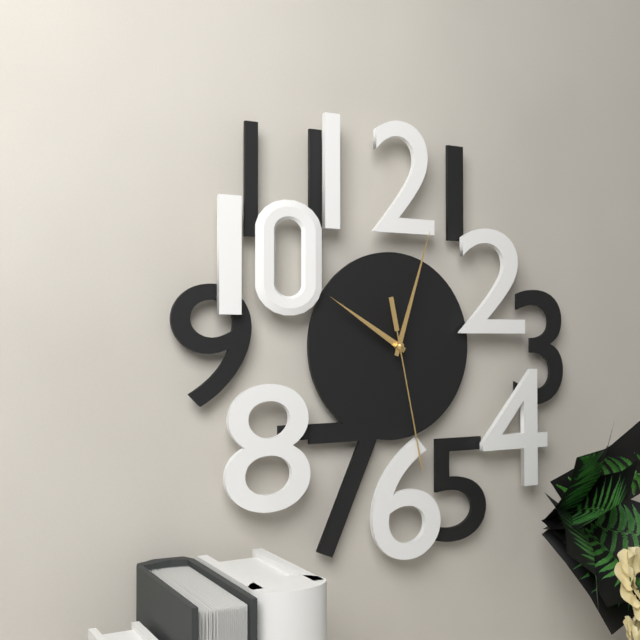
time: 10:03:28
